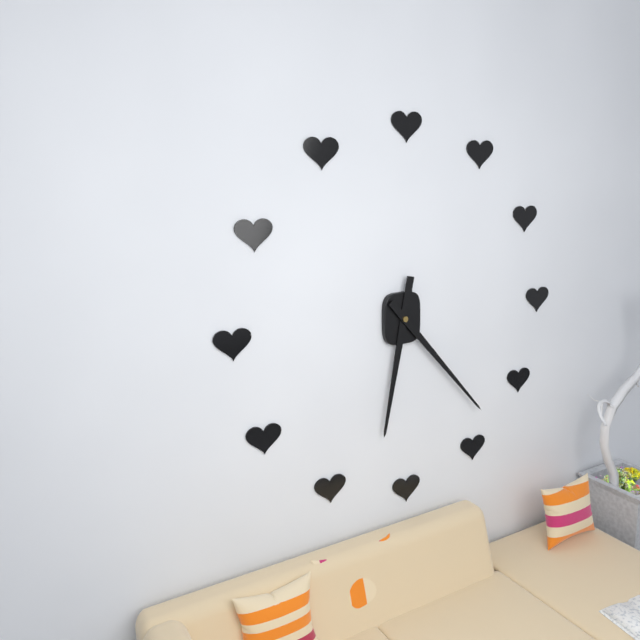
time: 6:23
